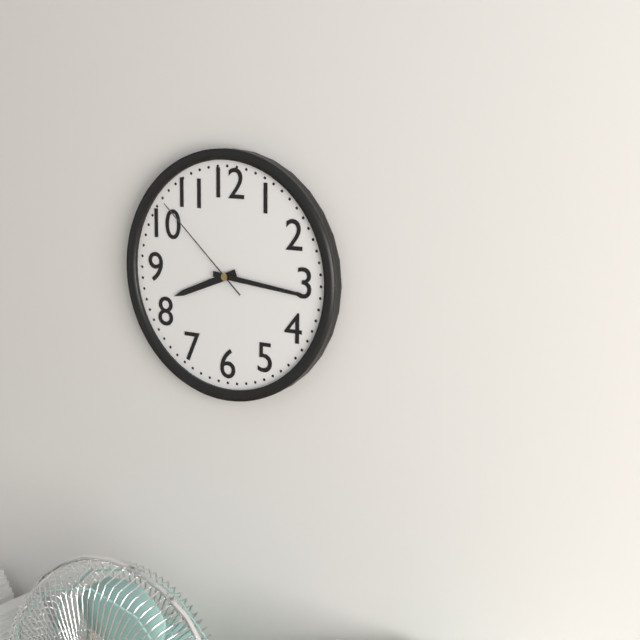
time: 8:16:52
